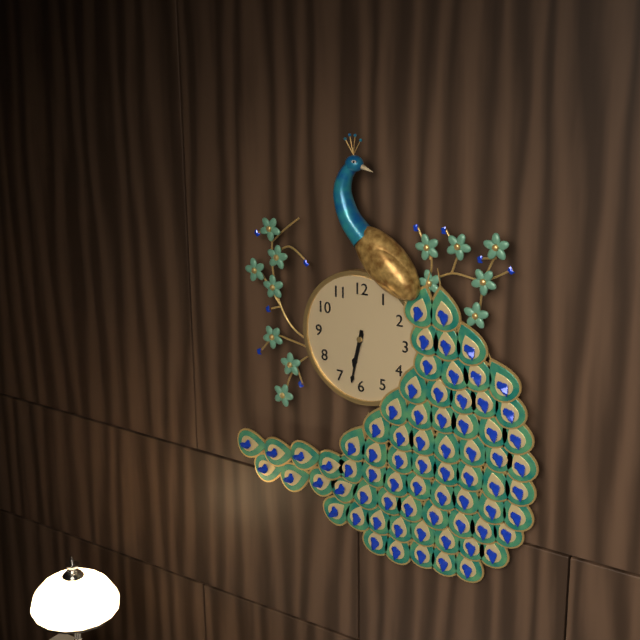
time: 6:32
